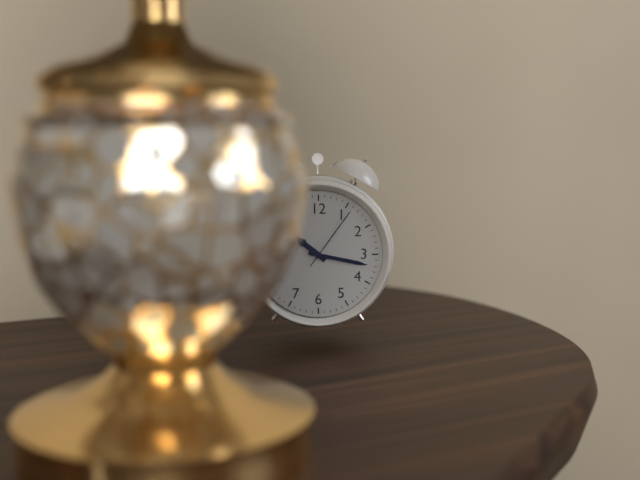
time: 10:17:06
